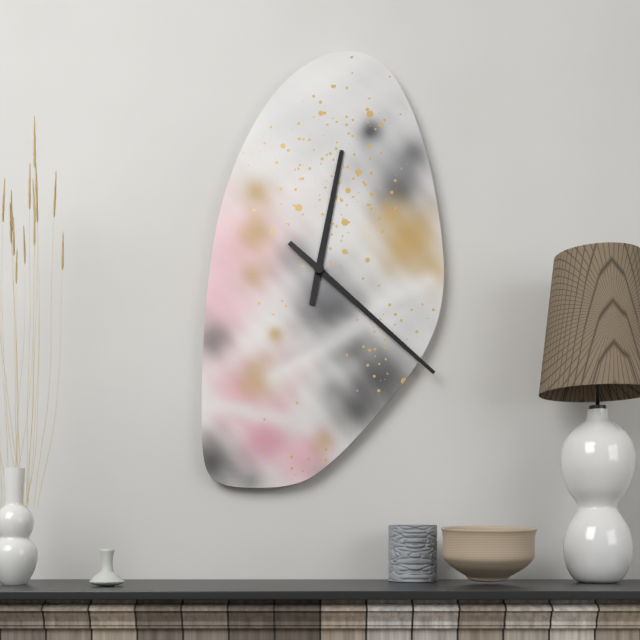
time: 12:22
